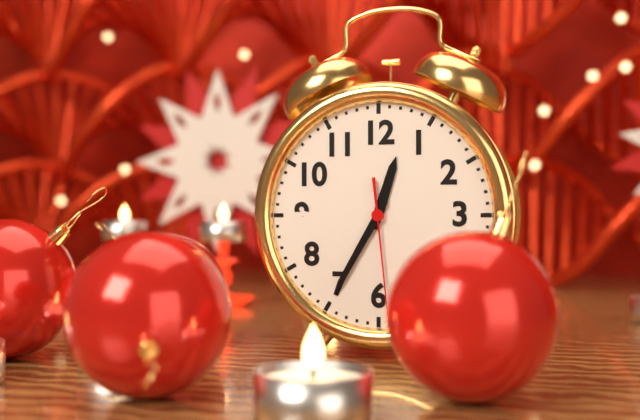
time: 12:35:29
